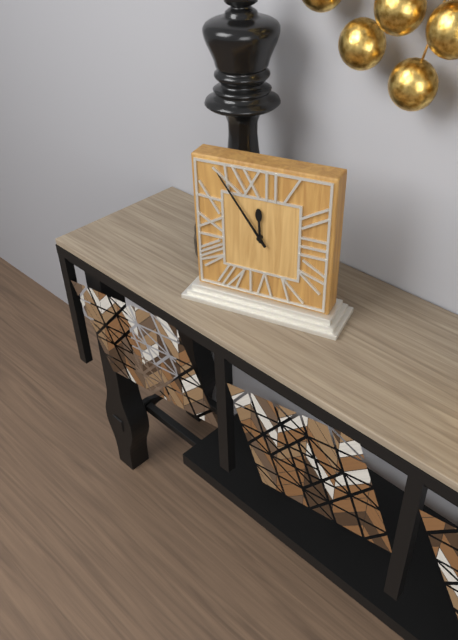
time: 11:54
